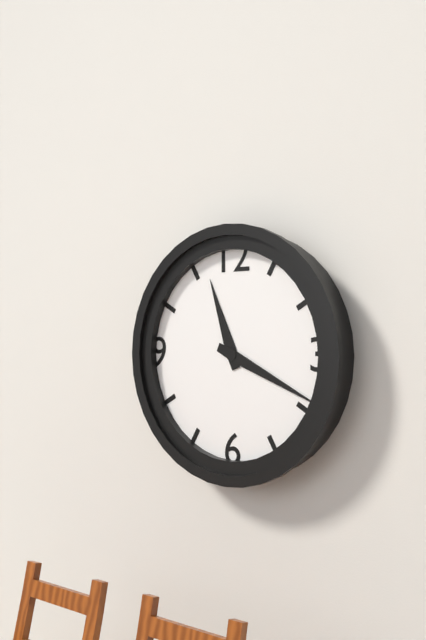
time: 11:19
